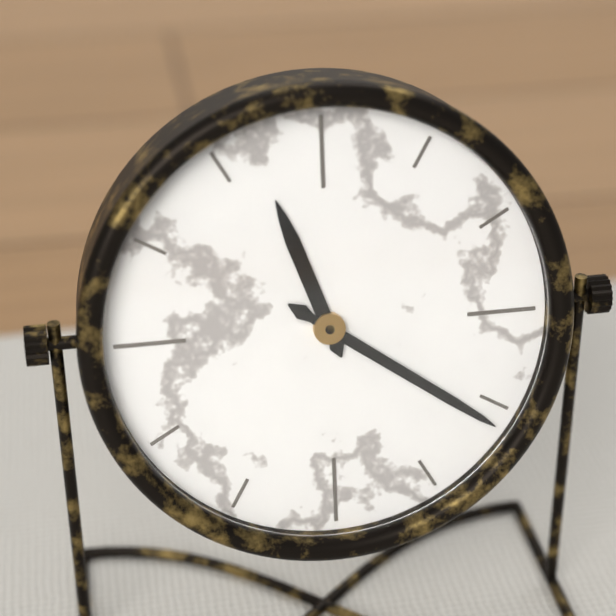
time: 11:21
